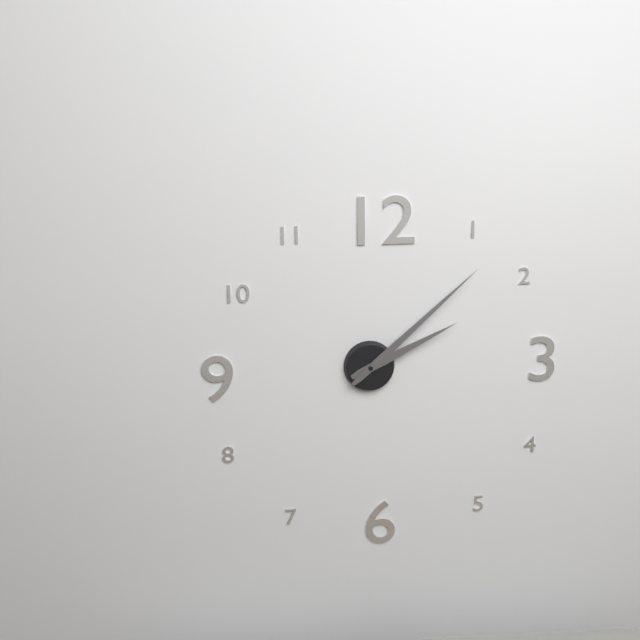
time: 2:08
